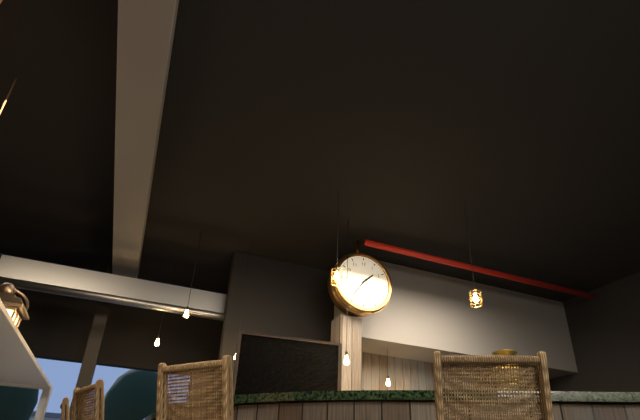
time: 1:36
